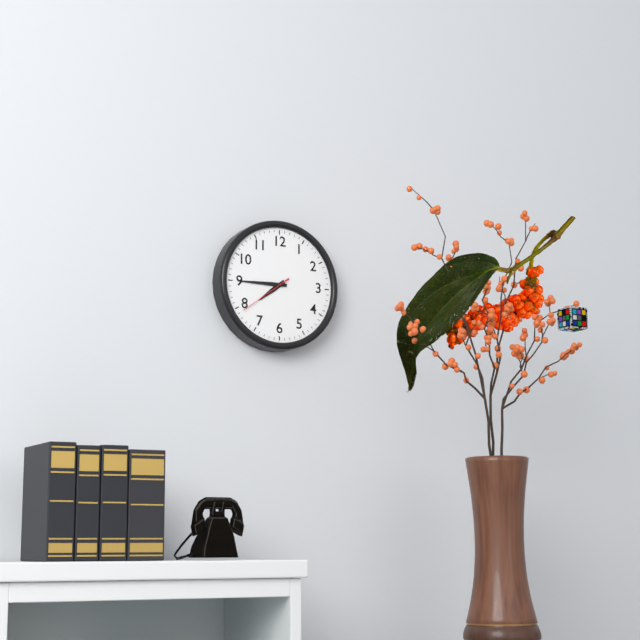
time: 7:45:39
